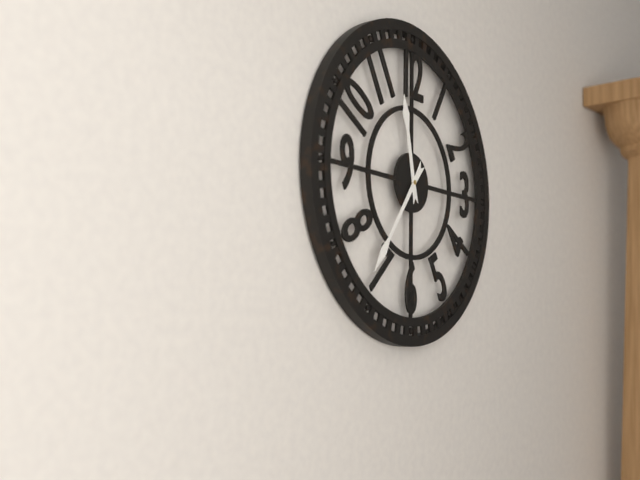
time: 11:36
